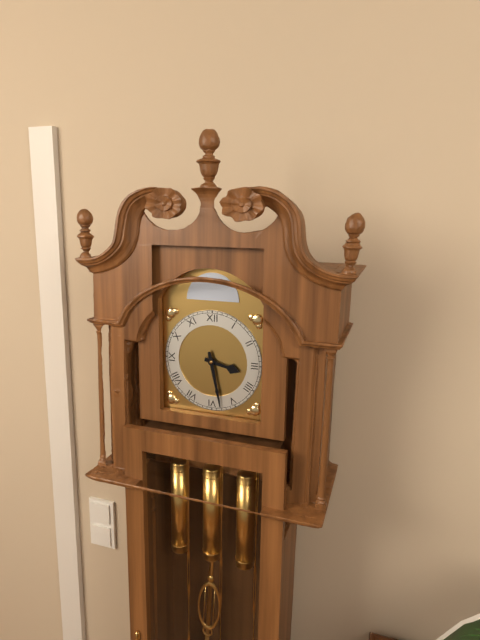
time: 3:28
